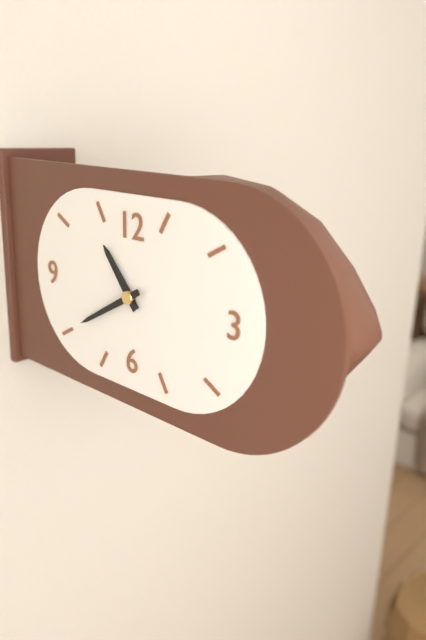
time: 10:40
